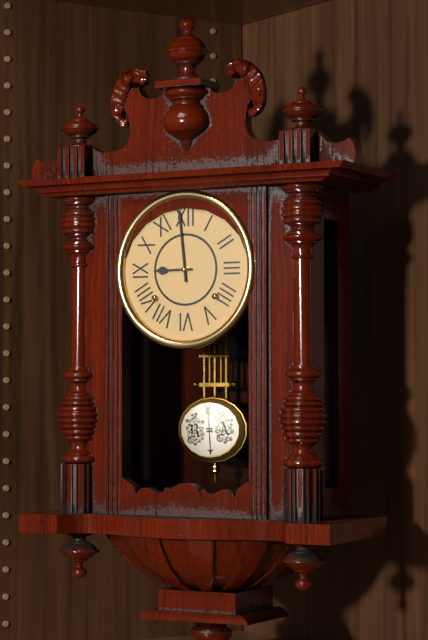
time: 8:59
